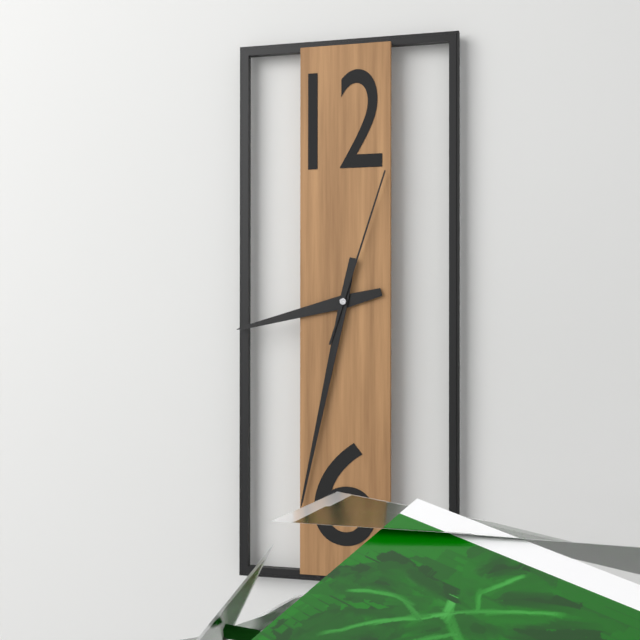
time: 8:32:03
